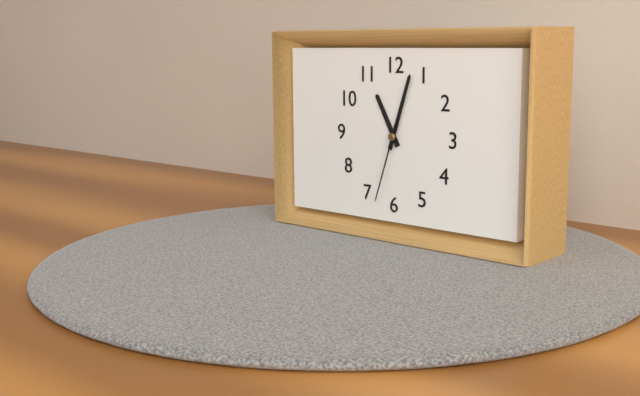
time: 11:03:33
